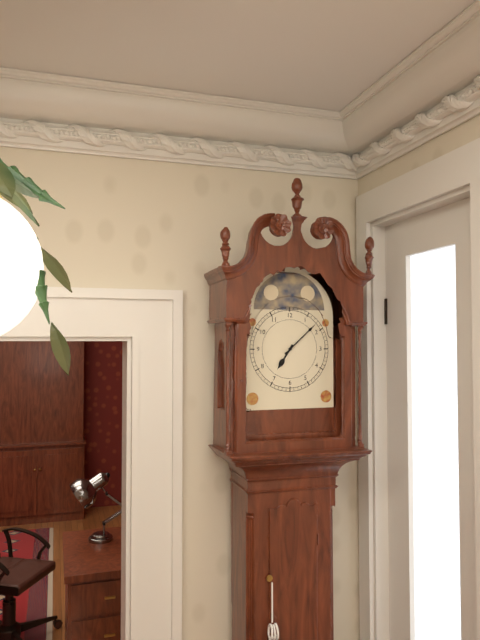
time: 7:08
